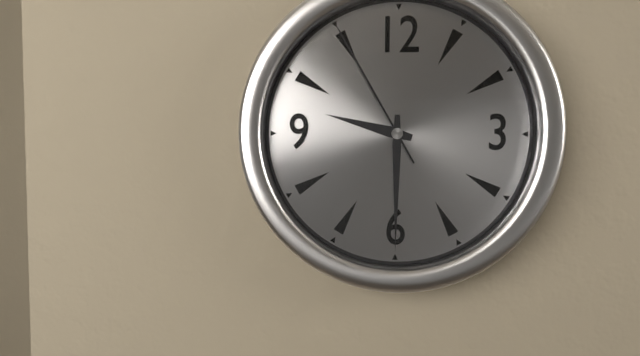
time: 9:30:55
